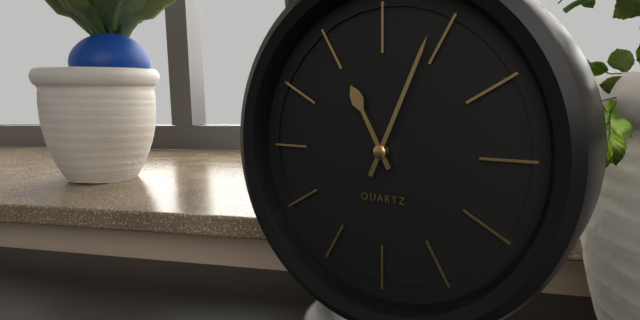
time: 11:04
